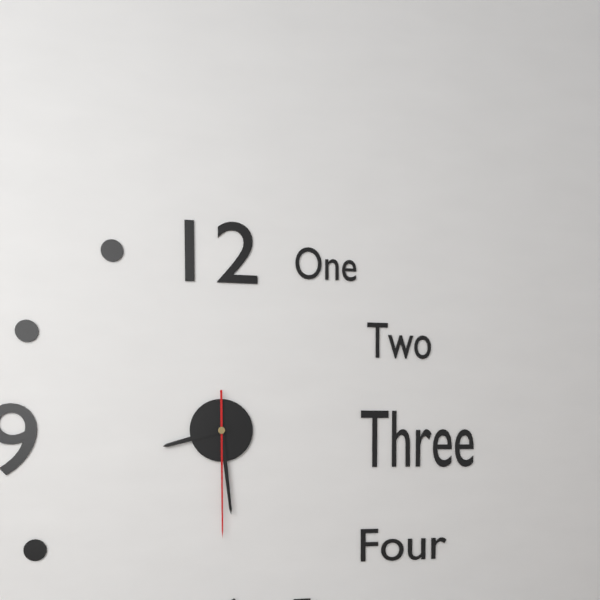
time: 8:29:30
